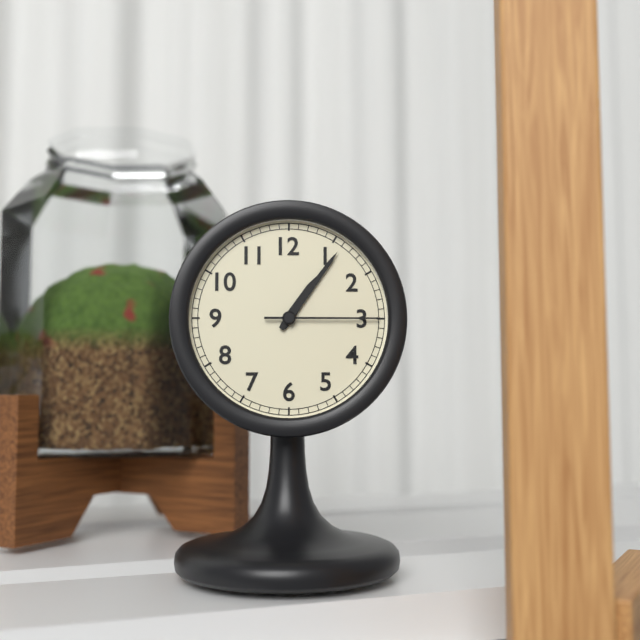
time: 1:06:15
